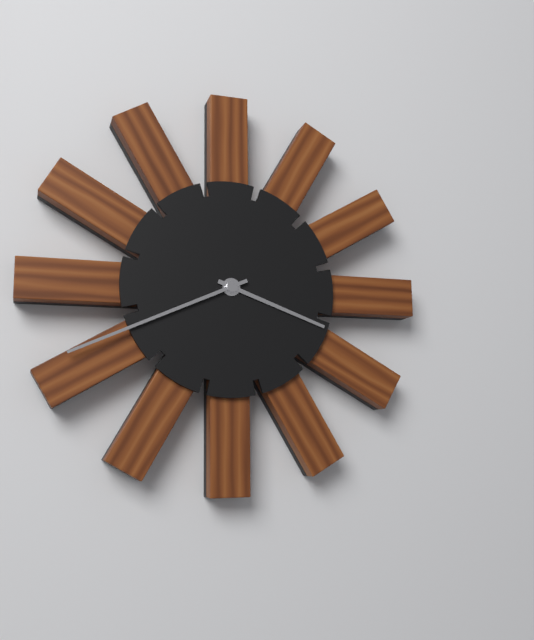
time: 3:41
